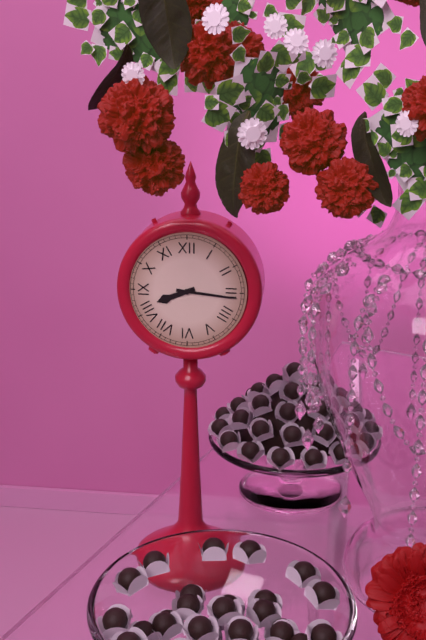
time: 8:16
